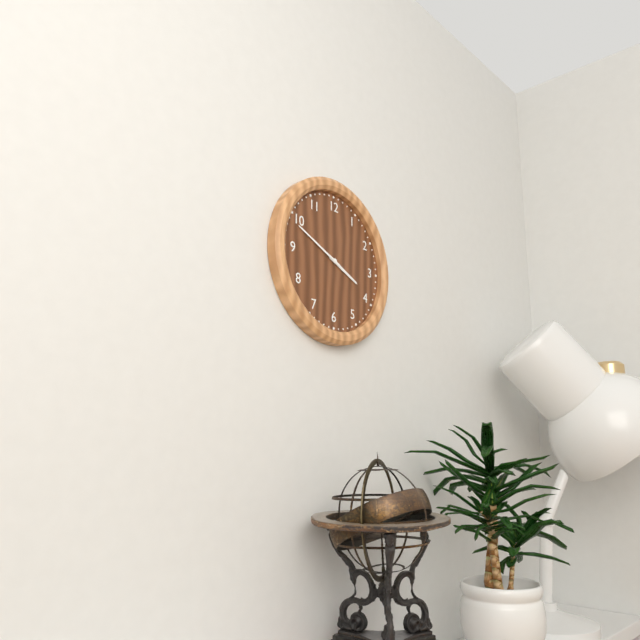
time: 3:49
